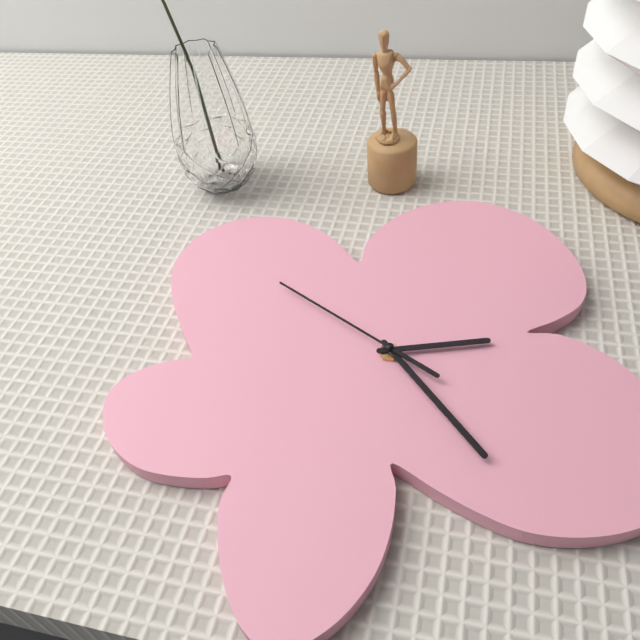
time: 3:28:55
